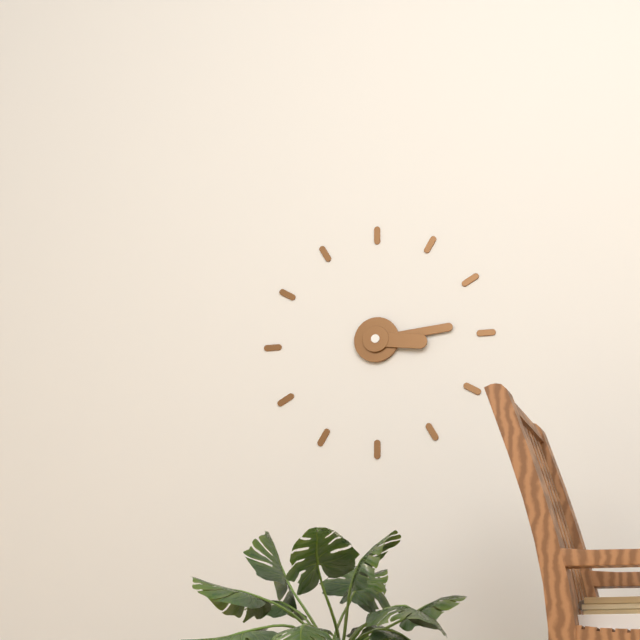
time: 3:14
